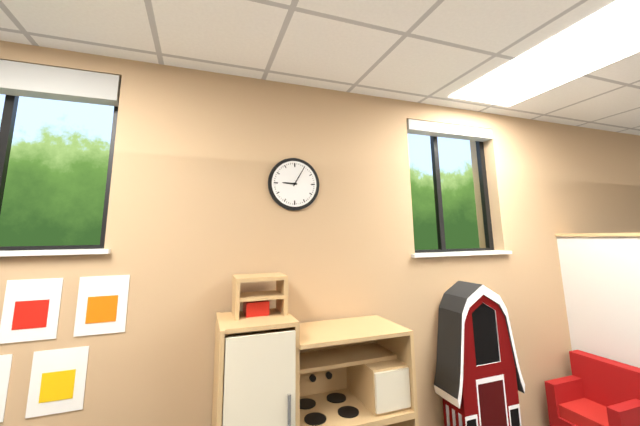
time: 9:05
